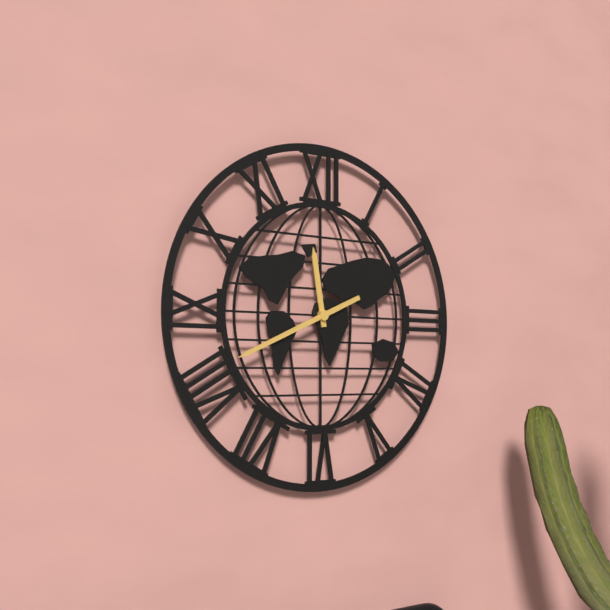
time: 11:41
